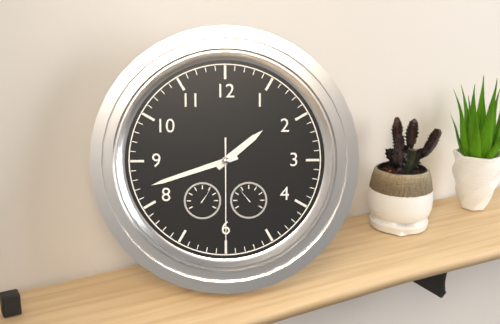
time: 1:42:30
